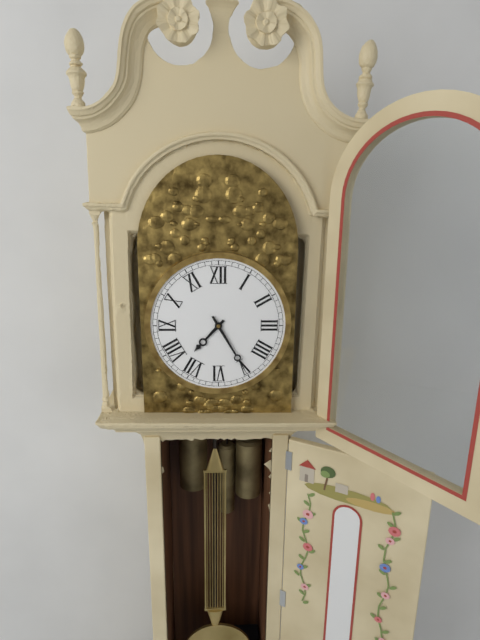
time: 7:25
